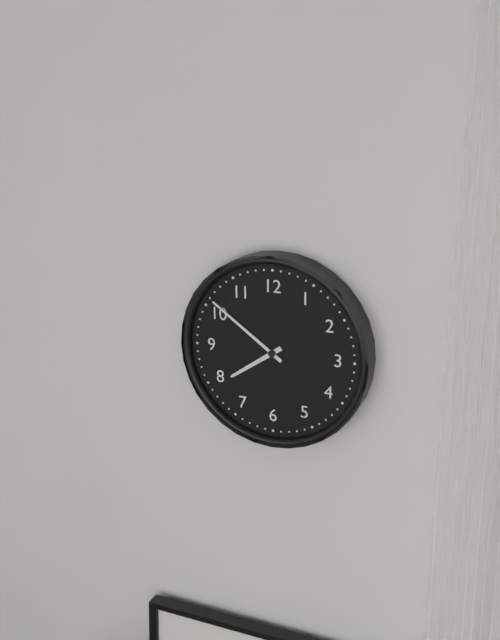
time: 7:51
